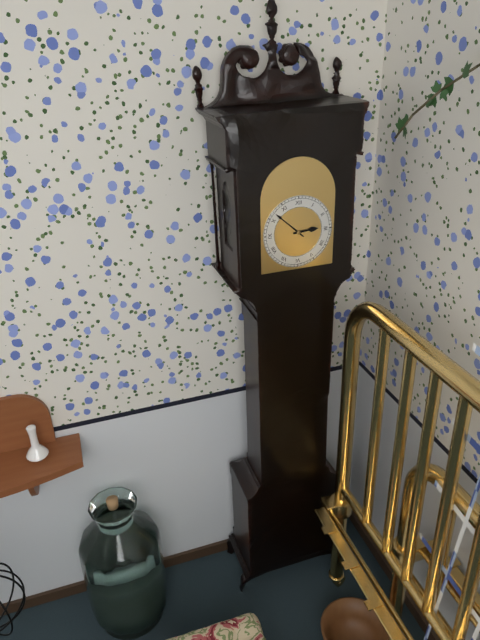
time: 2:52
